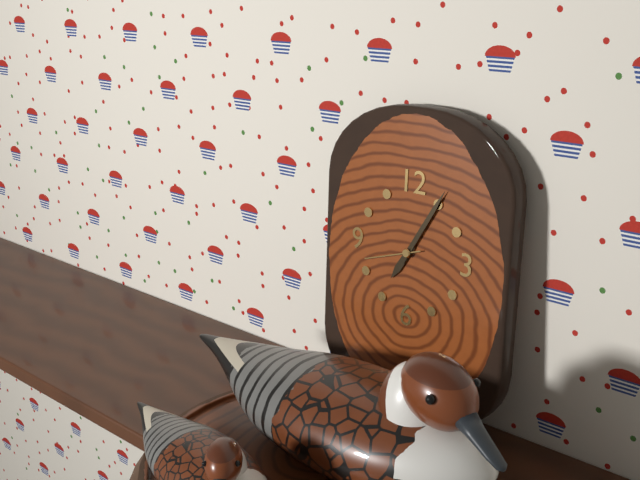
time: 7:05:42
